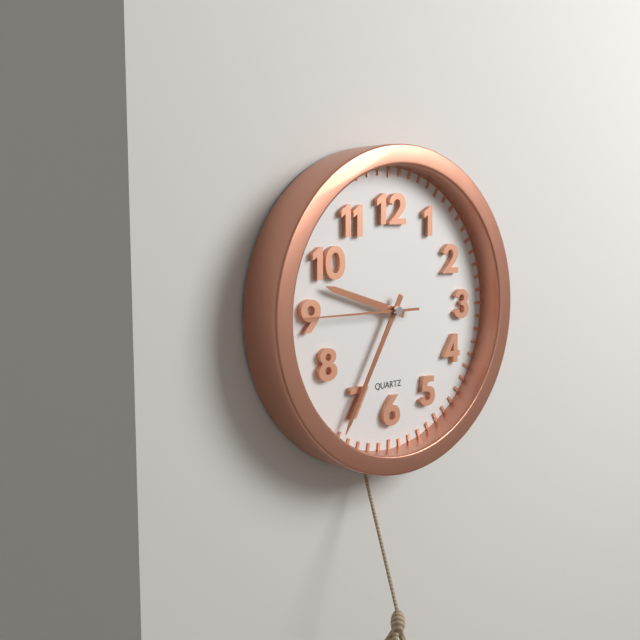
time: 9:35:45
